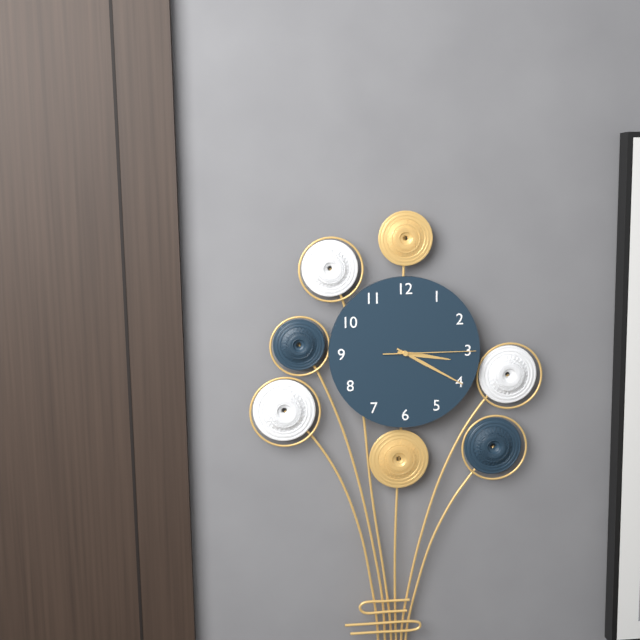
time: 3:20:15
